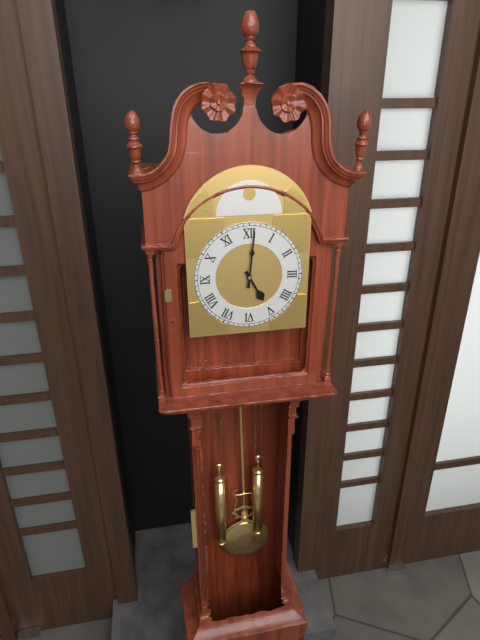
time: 5:01
